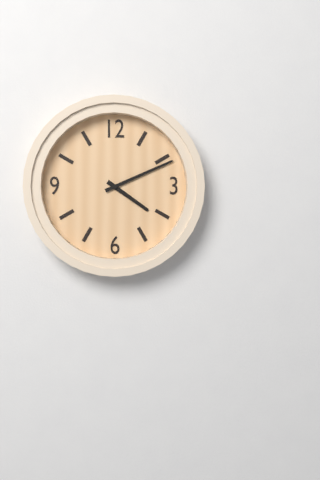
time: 4:11
